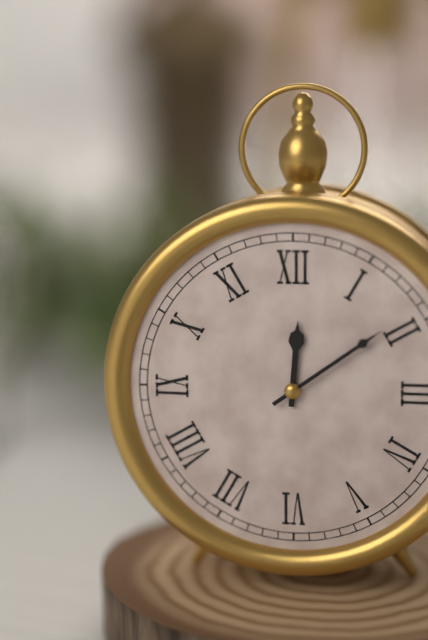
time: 12:09
